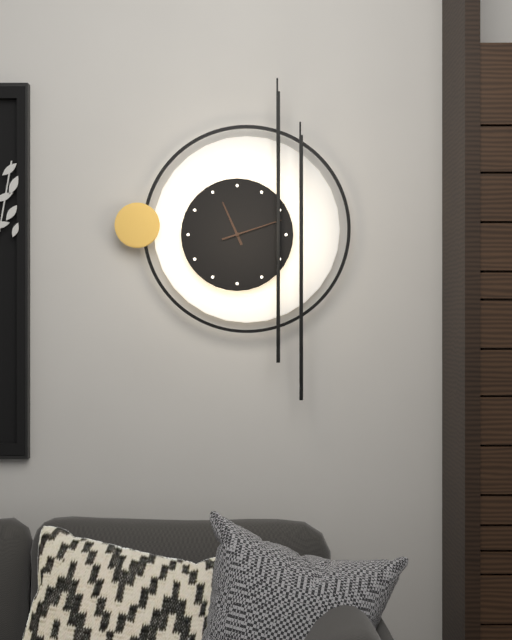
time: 11:12
